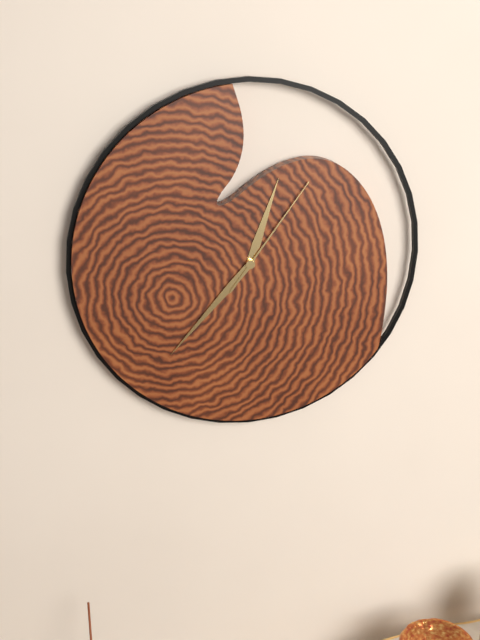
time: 12:37:06
